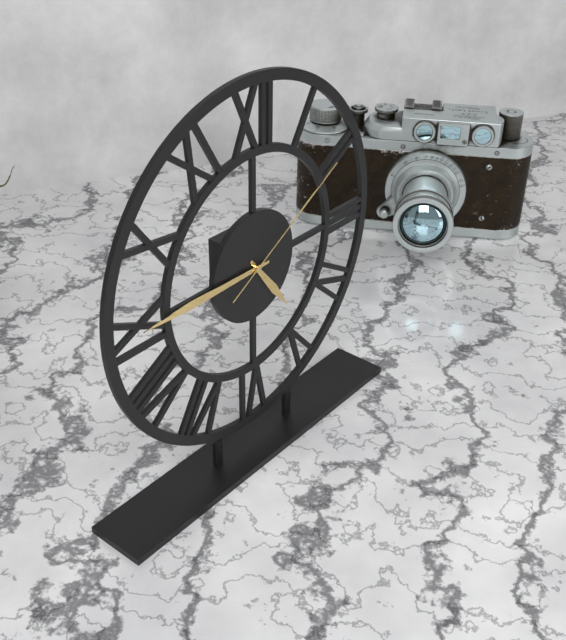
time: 4:45:10
